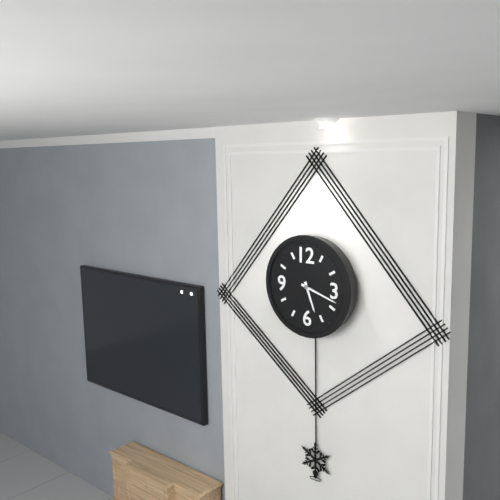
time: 5:18
